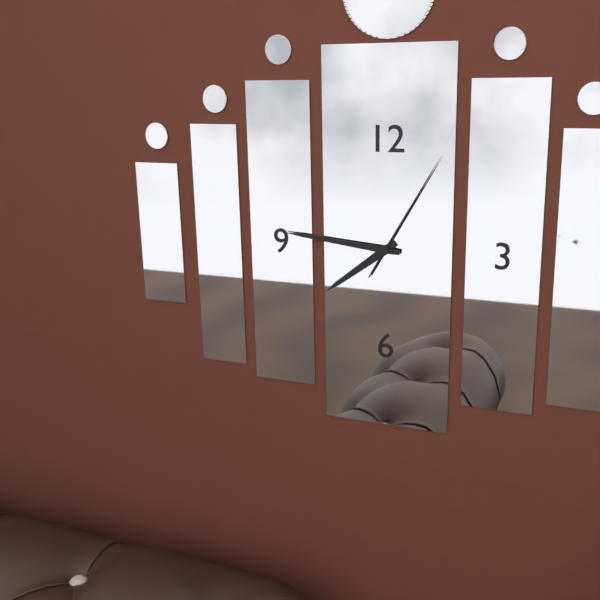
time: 7:46:05
